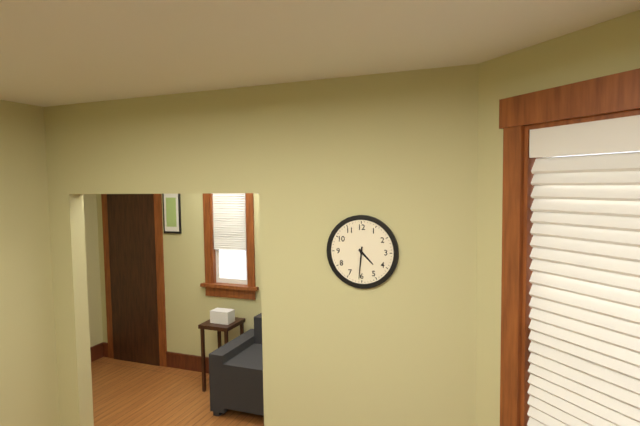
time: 4:31
